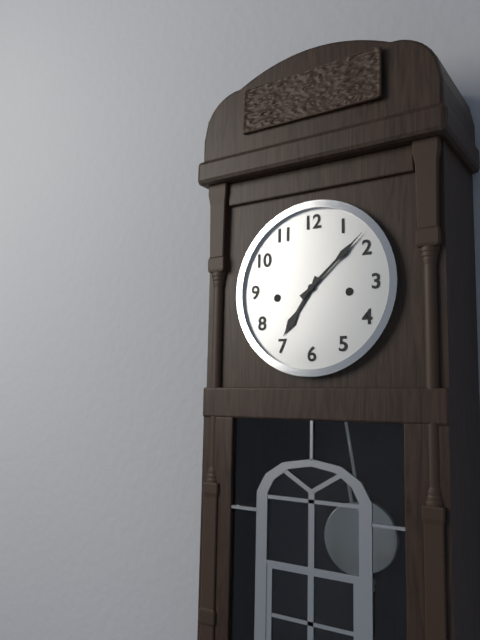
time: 7:08
